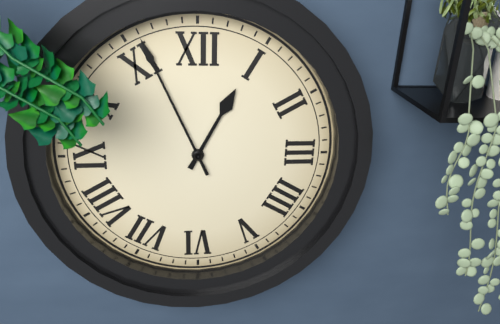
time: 12:56
